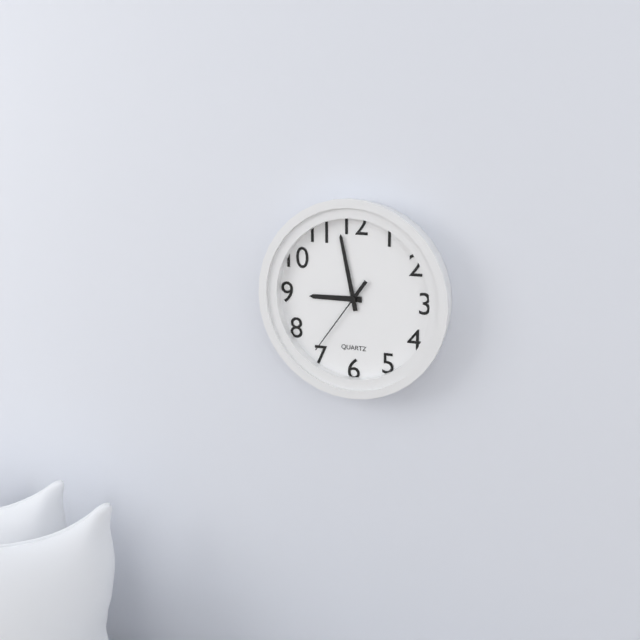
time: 8:58:36
